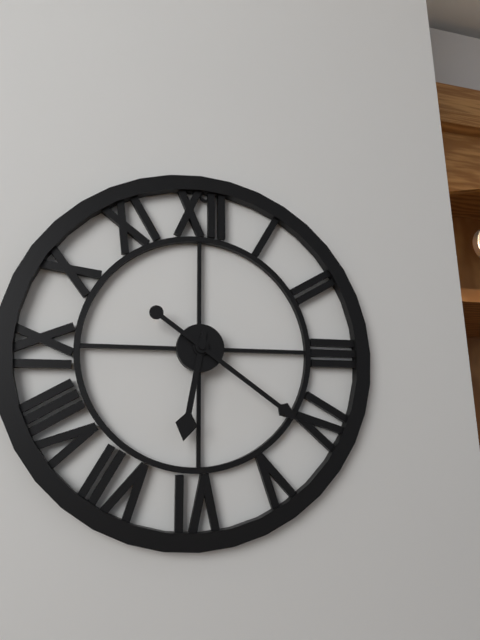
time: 6:21
